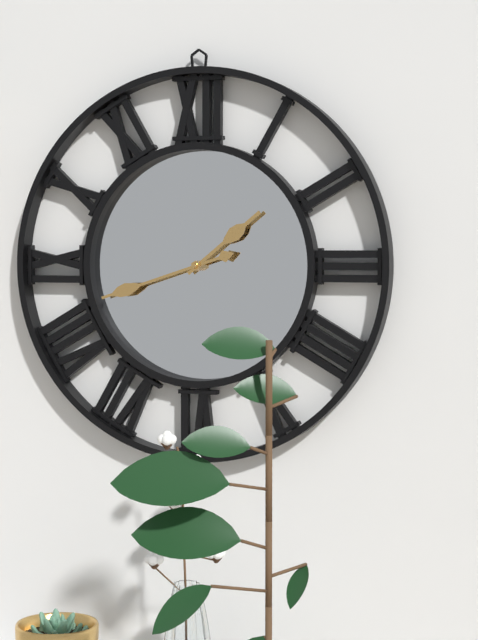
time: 1:42
